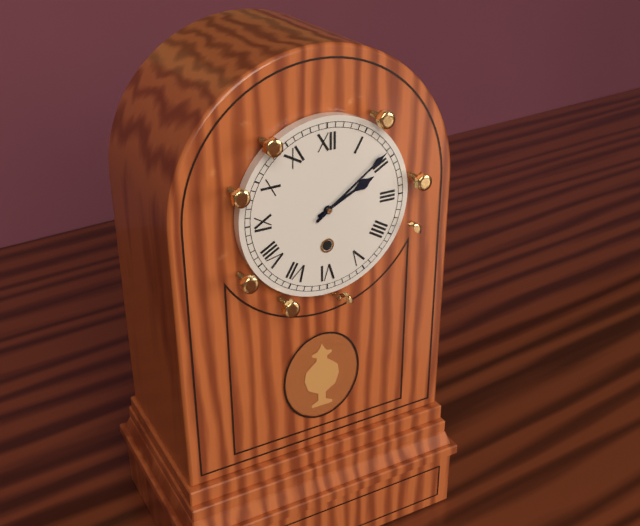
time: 2:09
